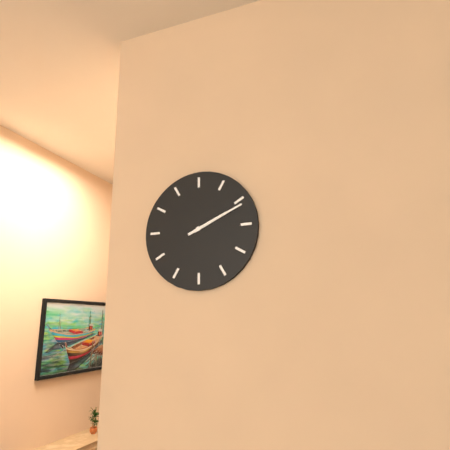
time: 2:11
